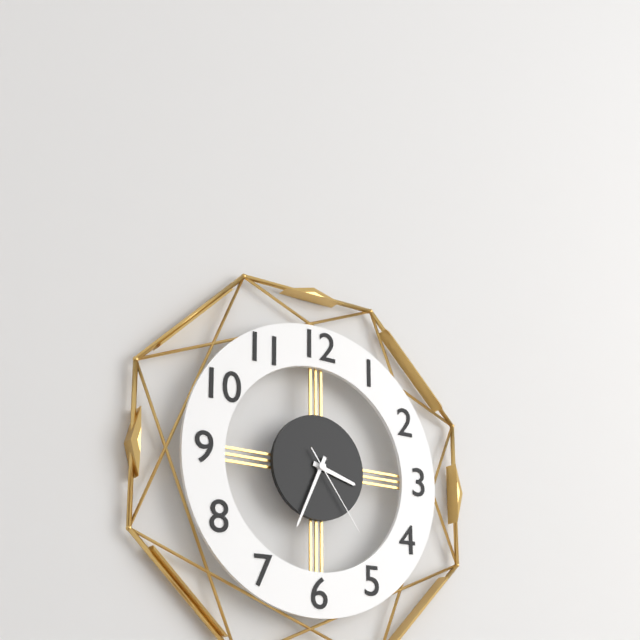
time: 3:34:24
